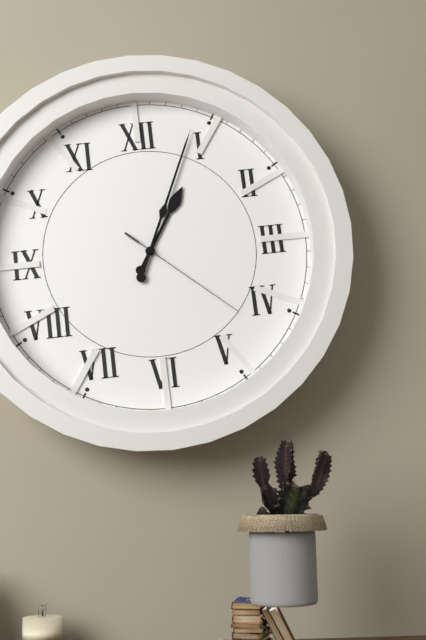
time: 1:04:22
